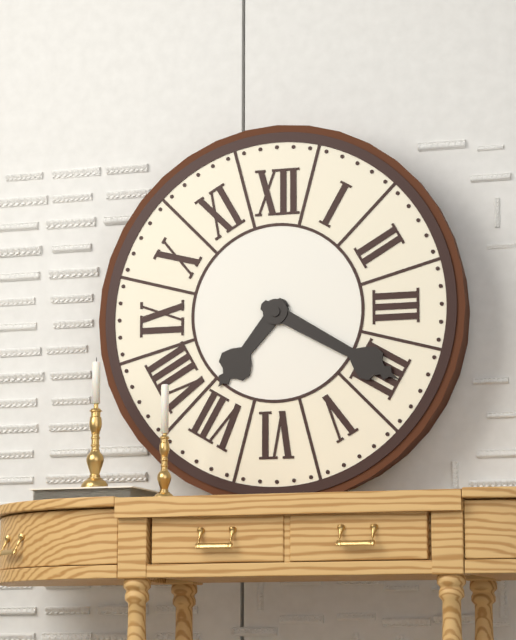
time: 7:20
